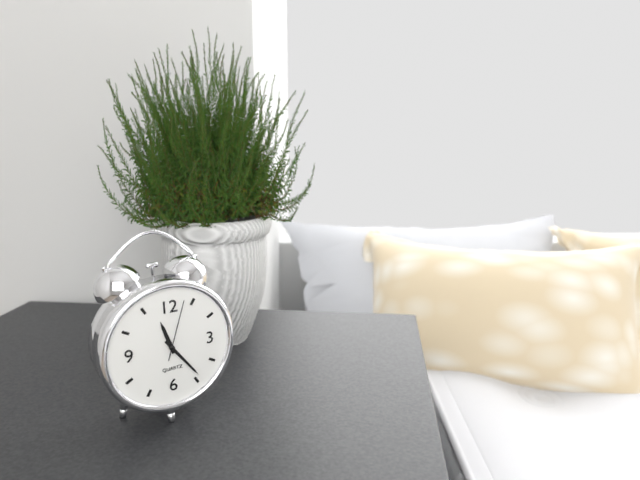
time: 11:24:03
